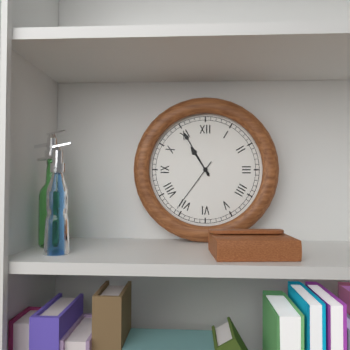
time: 10:55:36
